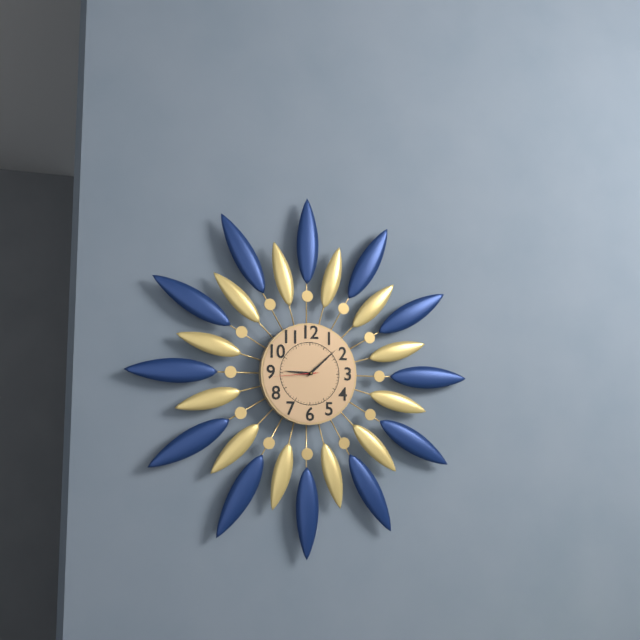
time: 9:08:44
